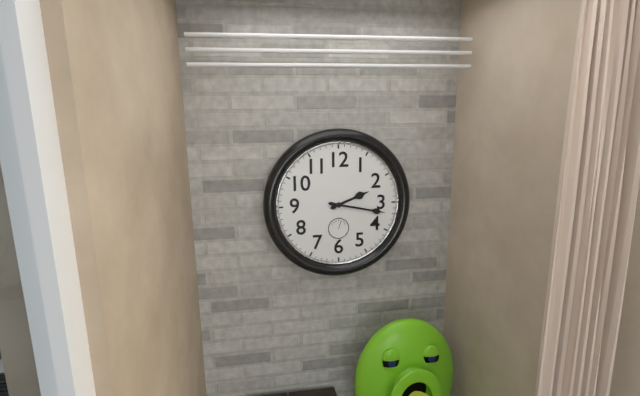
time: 2:17
